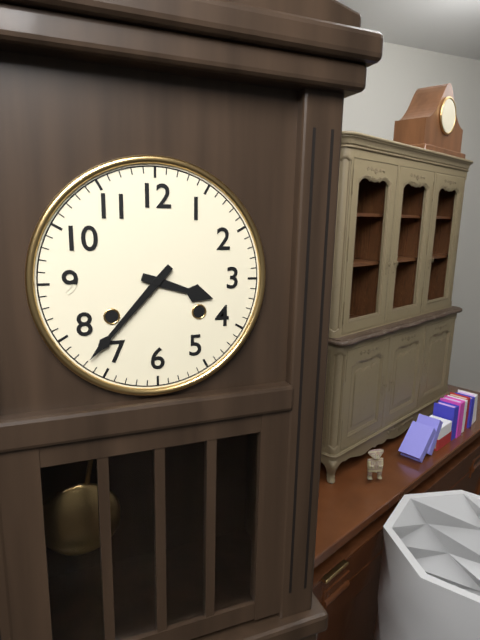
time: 3:37
